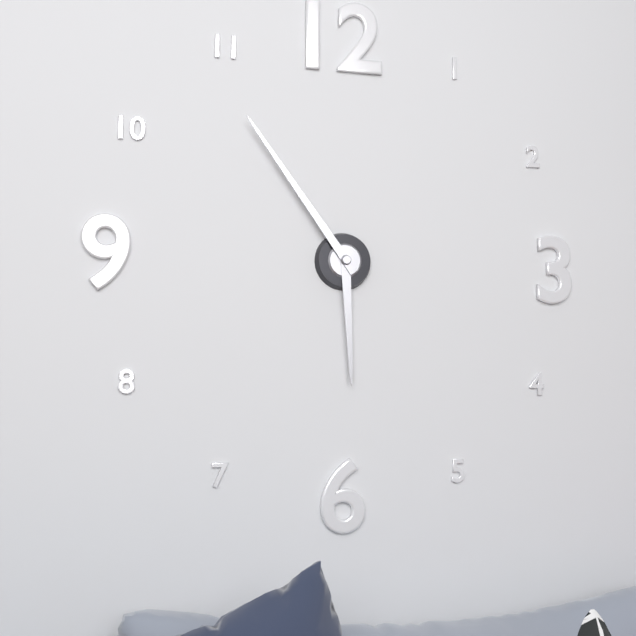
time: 5:54
